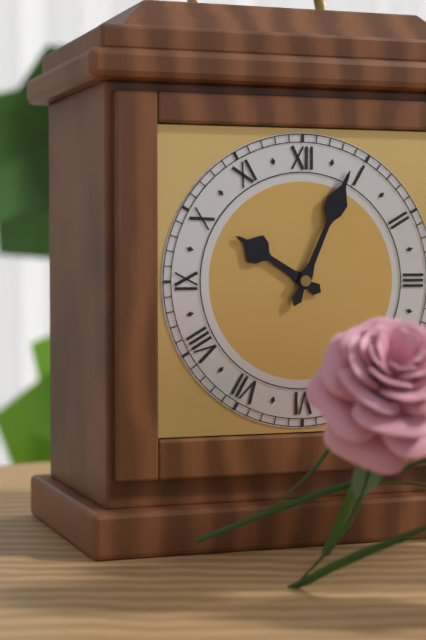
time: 10:04
